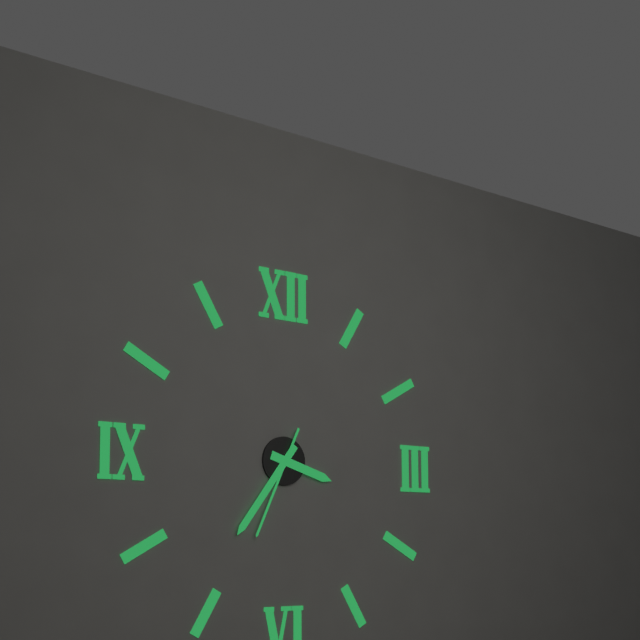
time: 3:36:34
